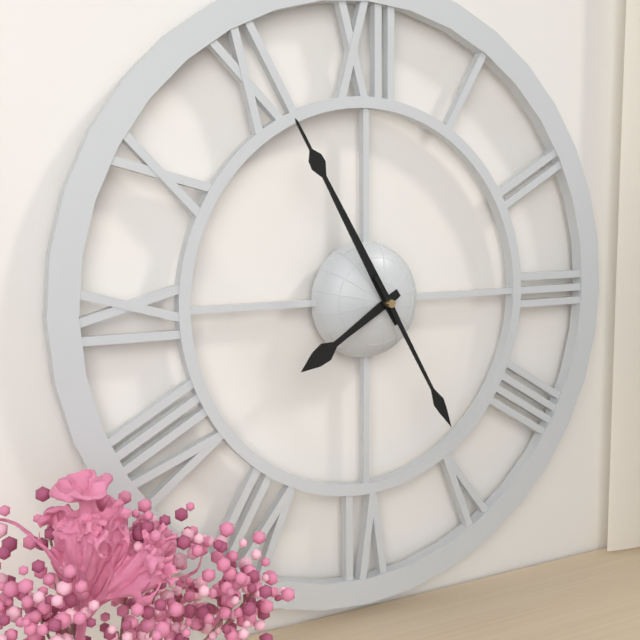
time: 7:55:25
